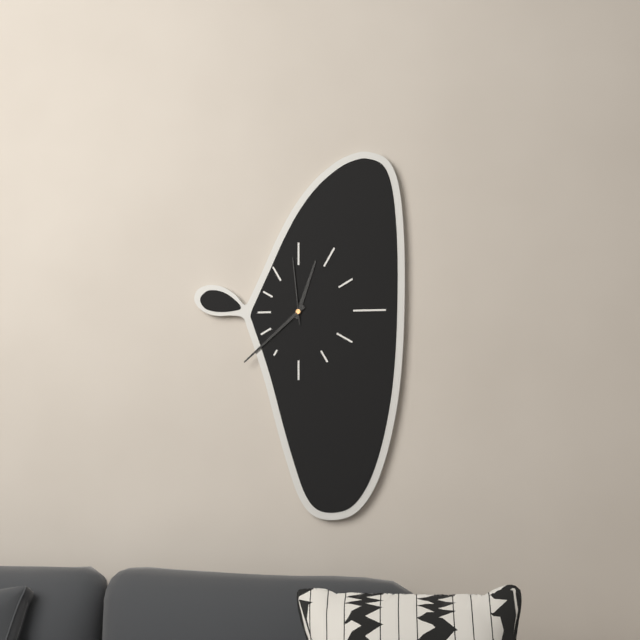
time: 12:38:59
